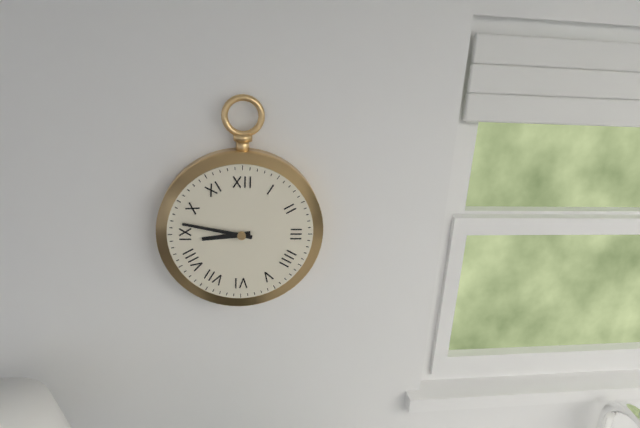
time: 8:47
